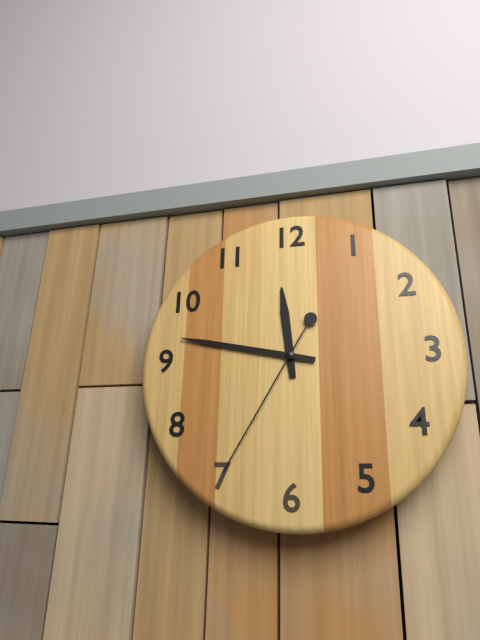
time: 11:47:35
